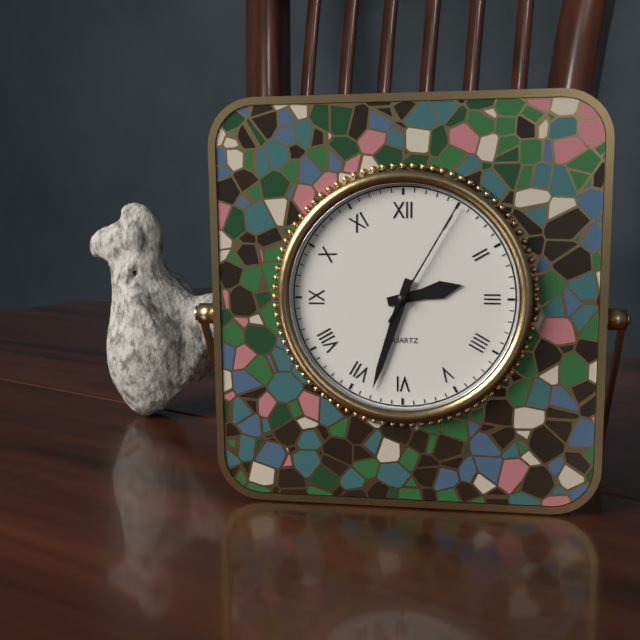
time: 2:33:05
